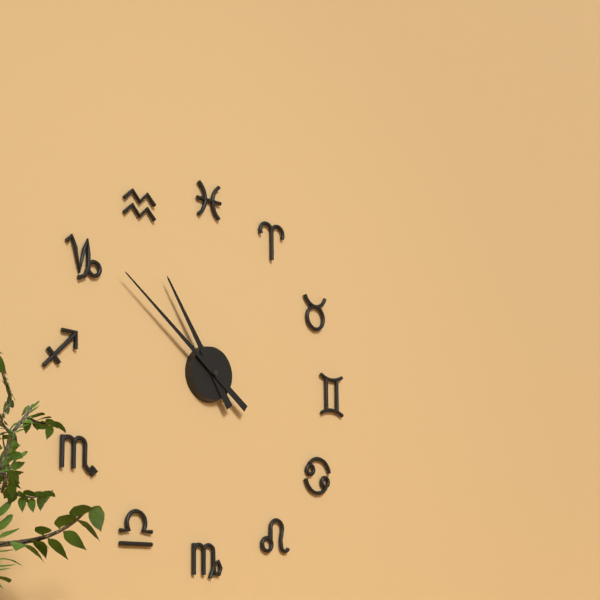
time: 10:51
